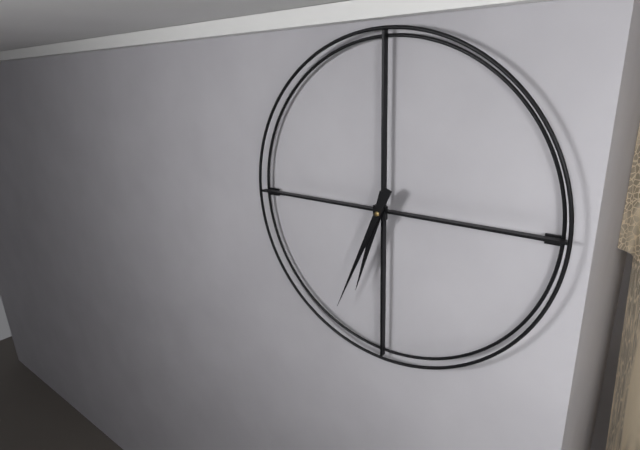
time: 6:34
